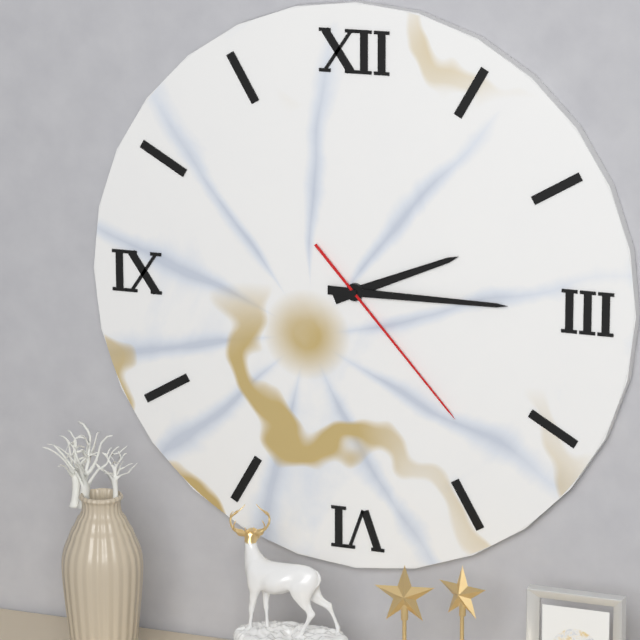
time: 2:15:23
